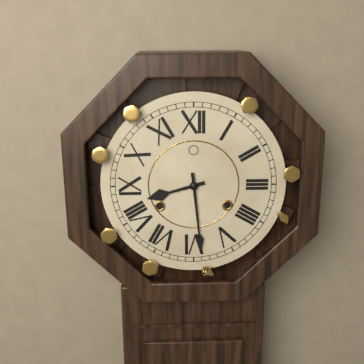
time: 8:29
